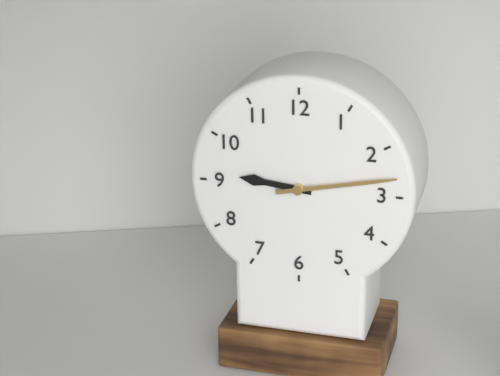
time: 9:13
